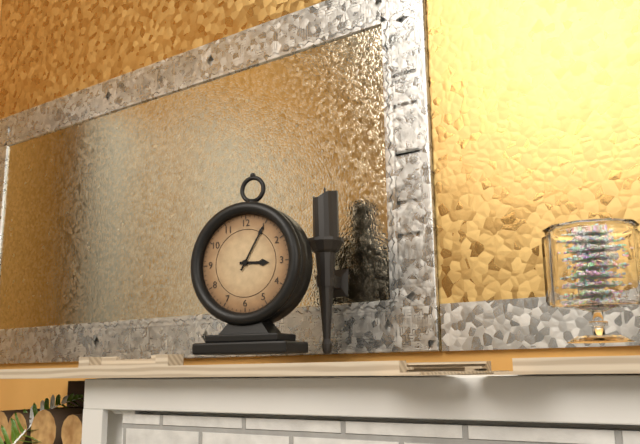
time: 3:05
